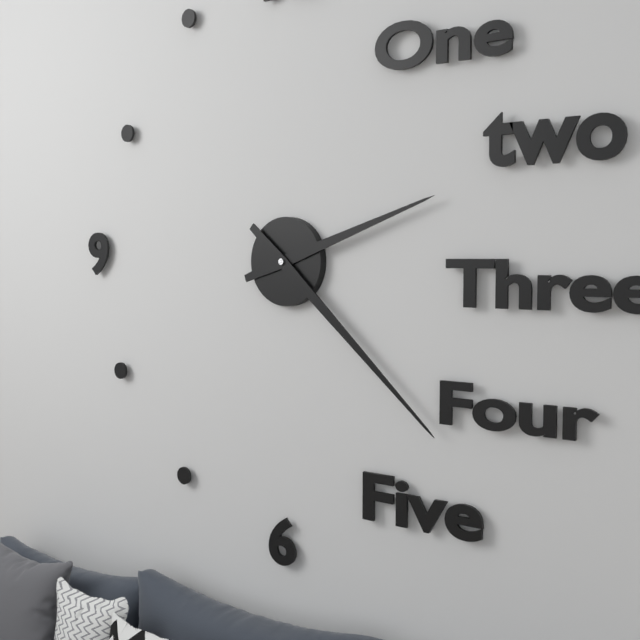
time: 2:22
